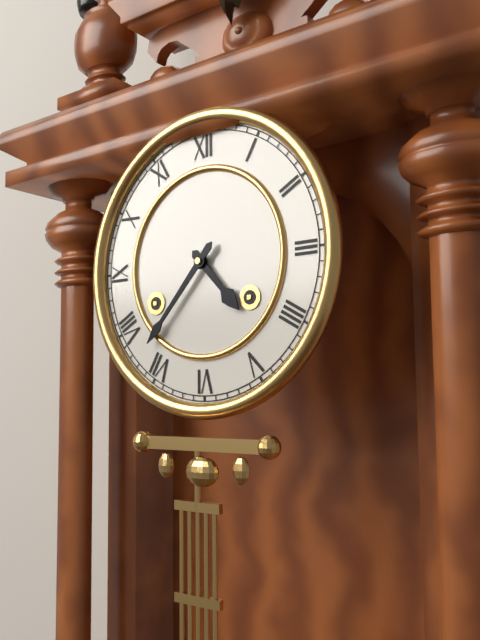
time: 4:37
